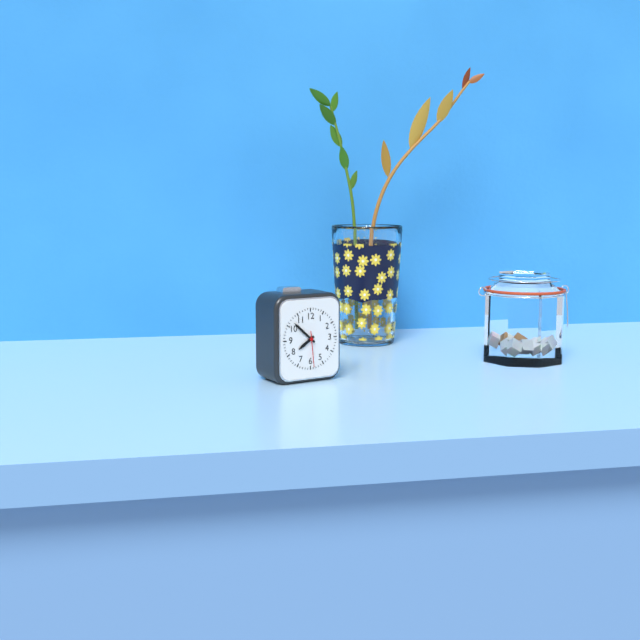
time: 7:52
